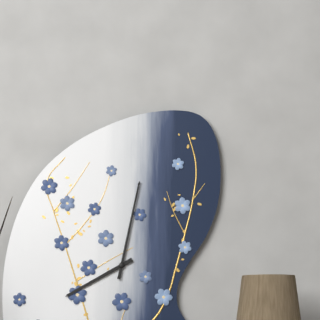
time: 8:02
